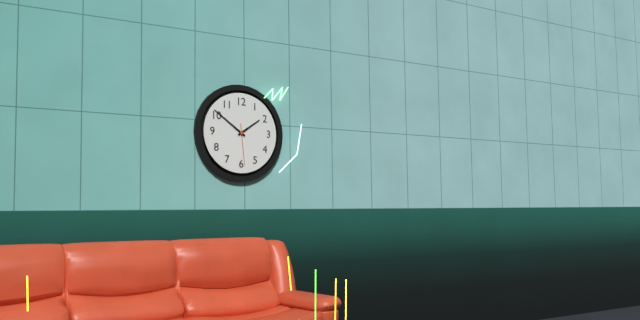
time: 1:51
